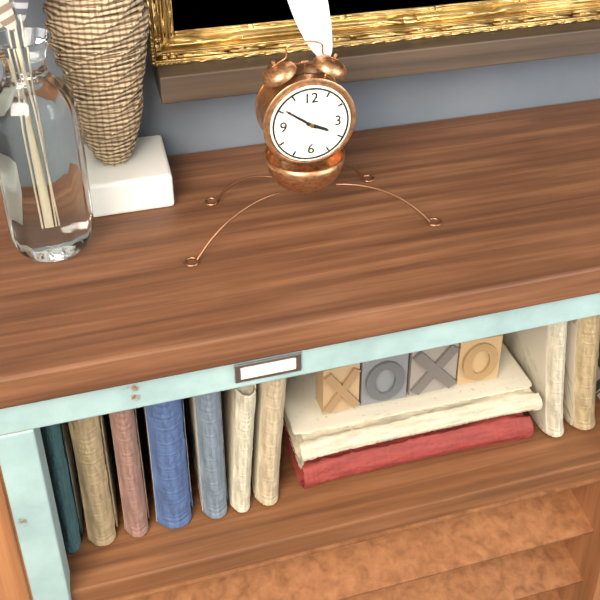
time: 3:51
